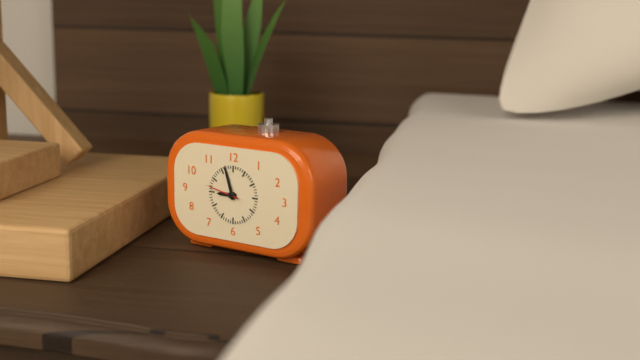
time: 8:57
